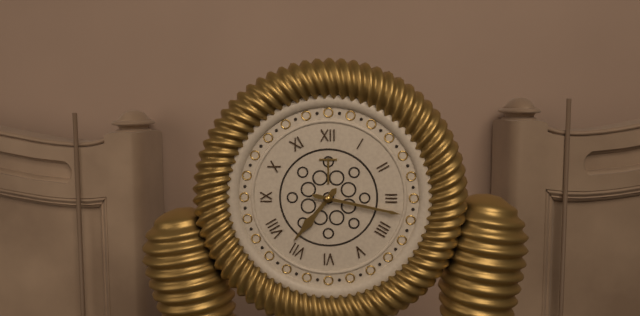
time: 7:17
